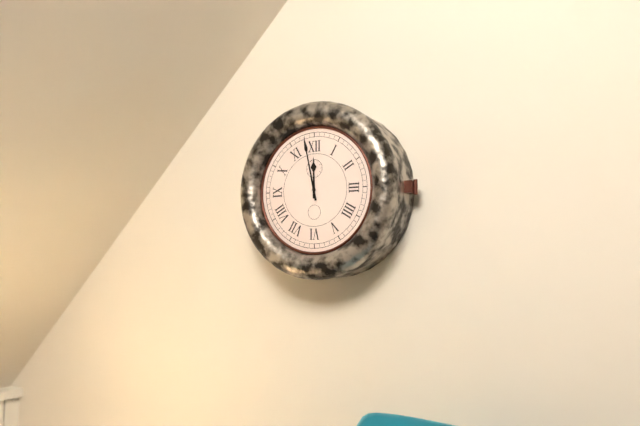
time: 11:58
